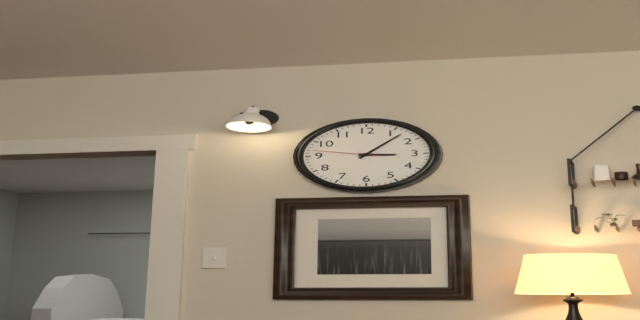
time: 3:07:47
